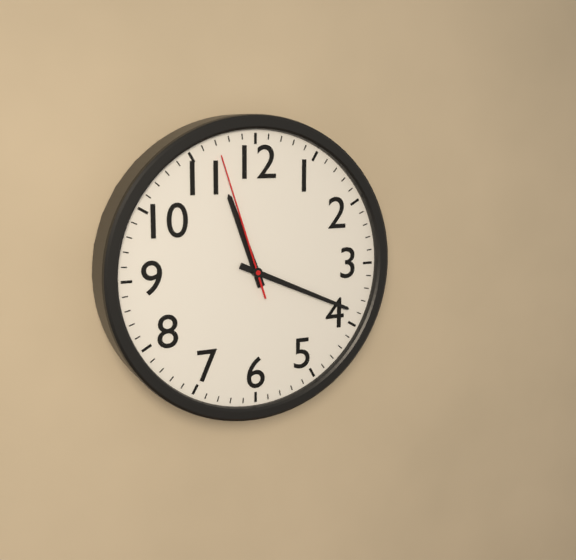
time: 11:19:57
